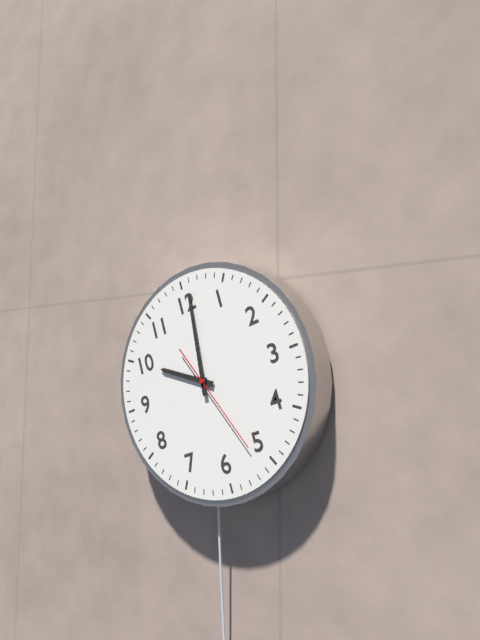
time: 10:01:26
